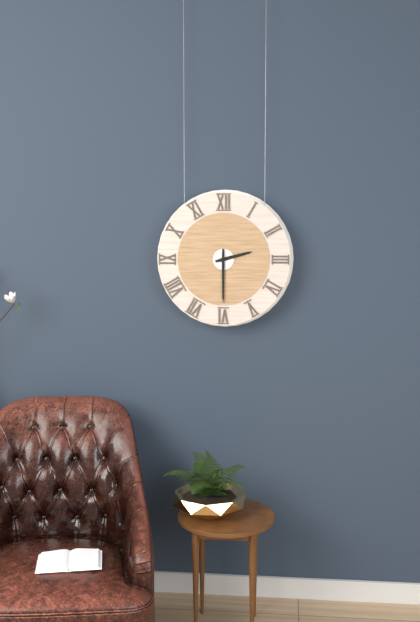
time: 2:30
